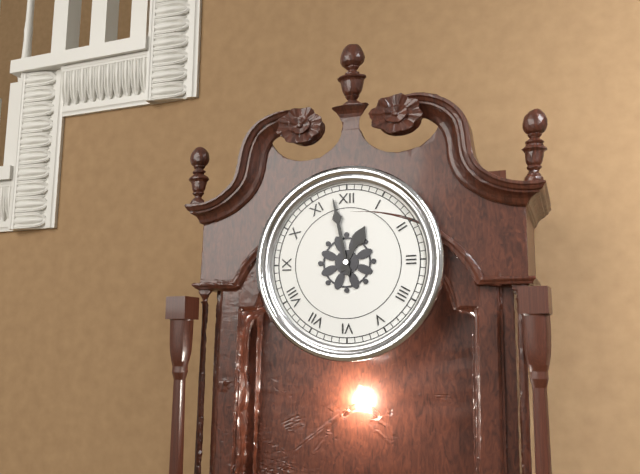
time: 12:58
